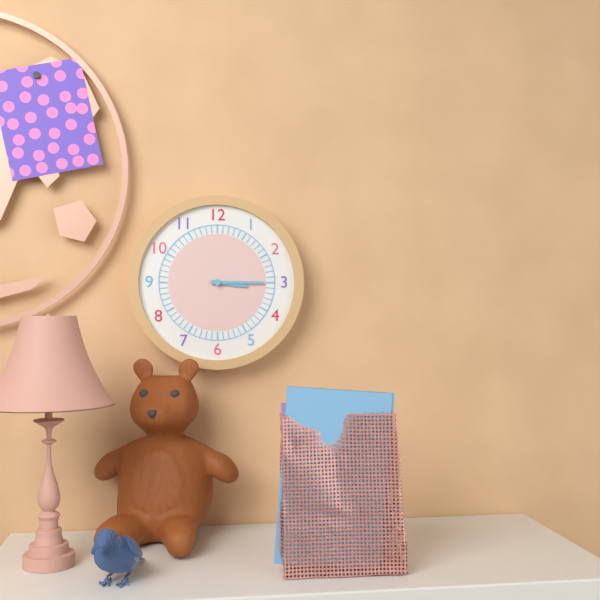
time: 3:15
